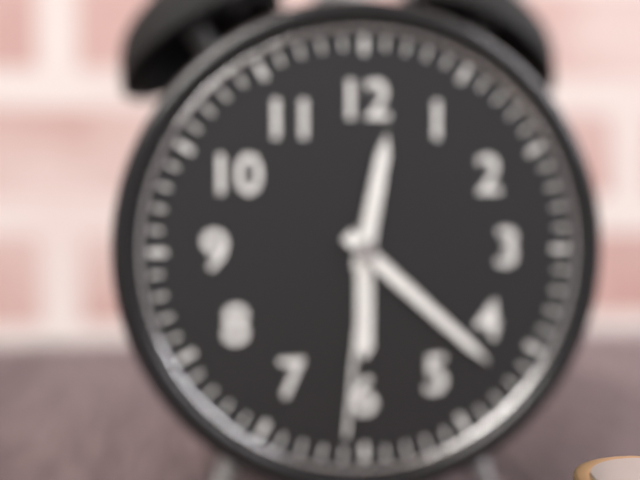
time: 12:22:31
